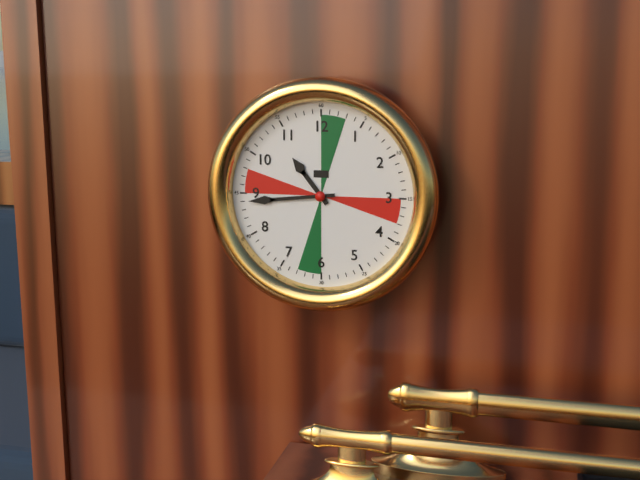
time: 10:44
